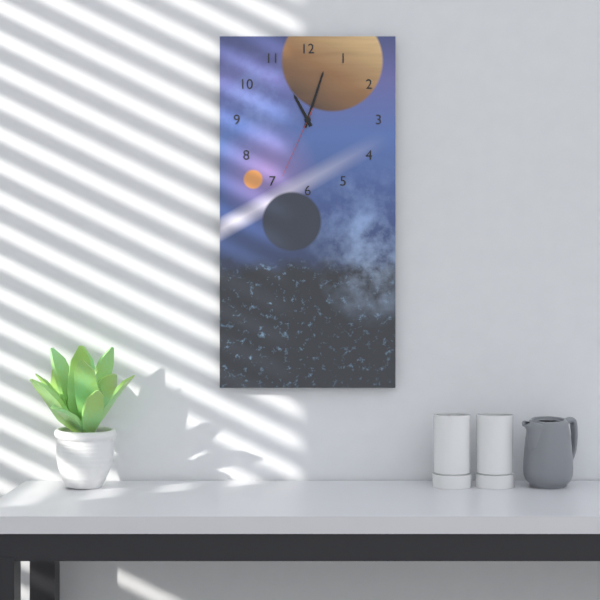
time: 11:03:34
